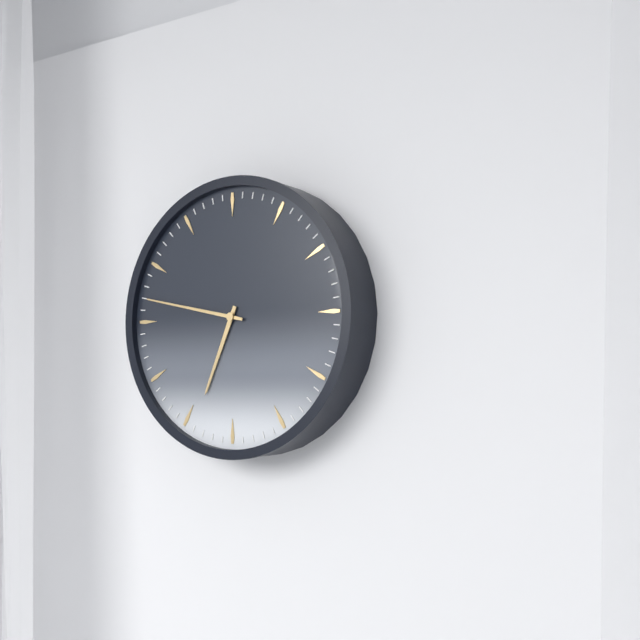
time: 6:47
